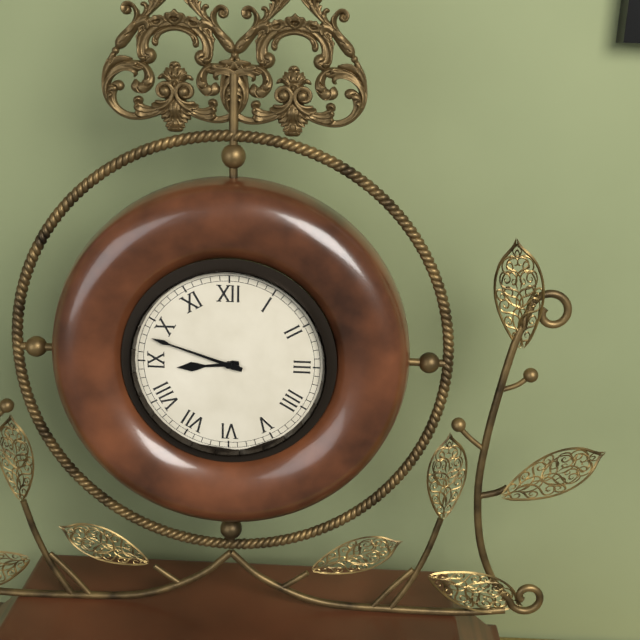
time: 8:48
